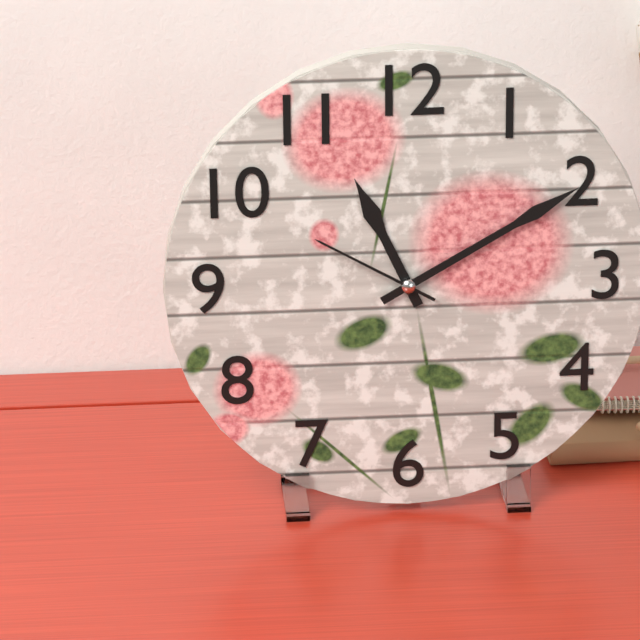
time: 11:10:50
